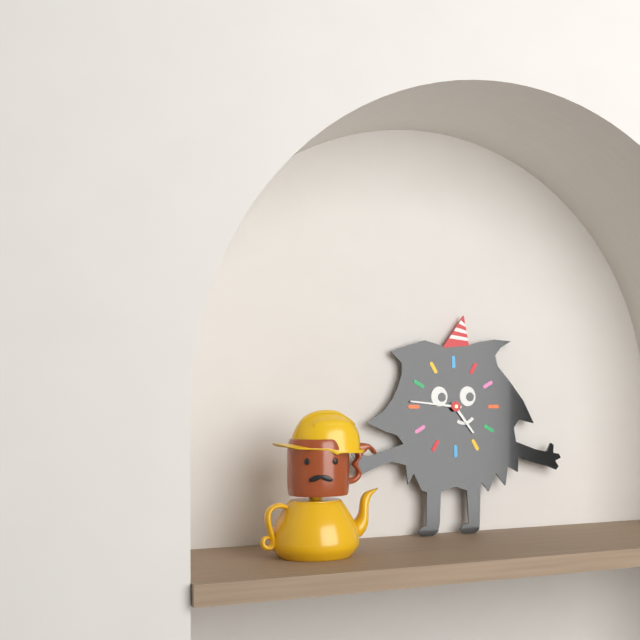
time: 4:46
